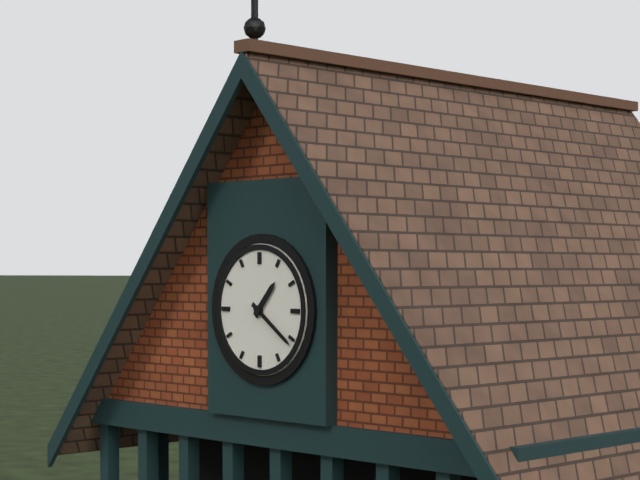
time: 1:21
